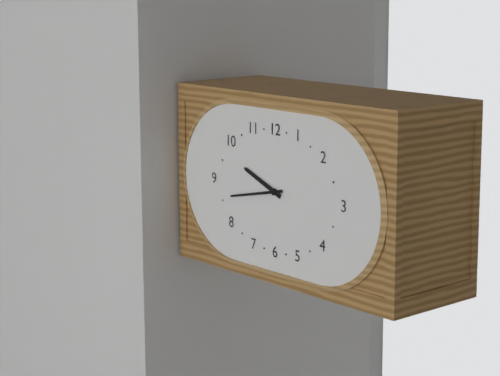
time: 9:43
